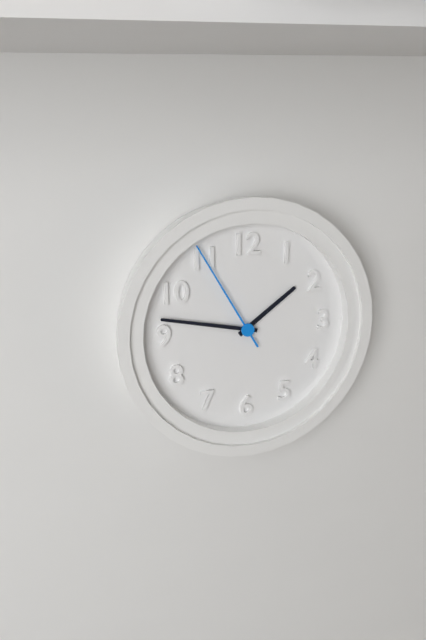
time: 1:47:55
